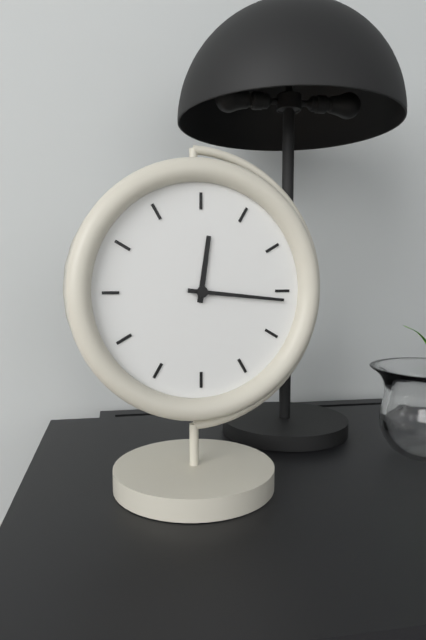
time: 12:16
